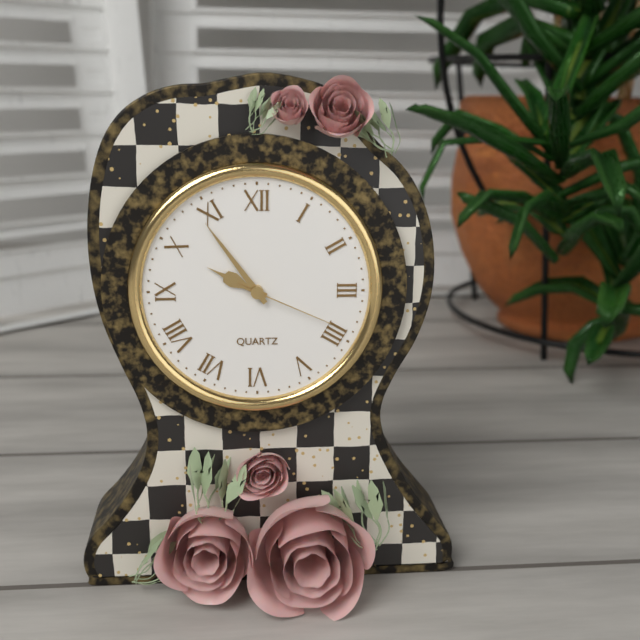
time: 9:54:19
